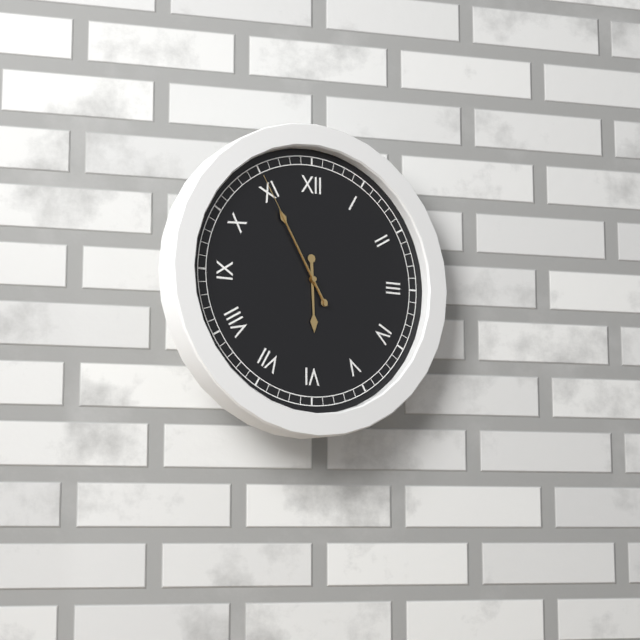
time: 5:55:55
